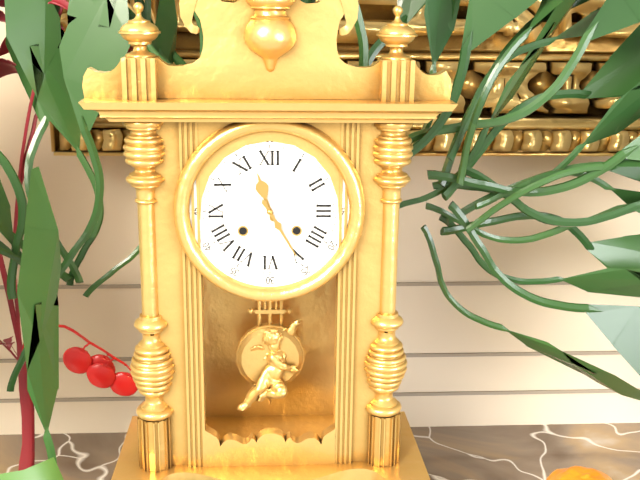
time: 11:25
